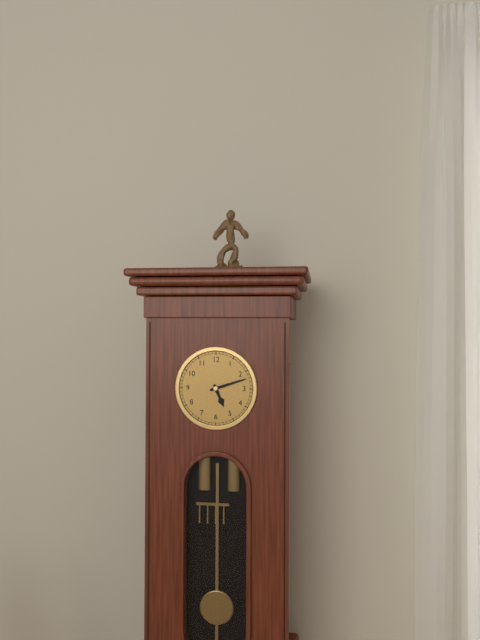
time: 5:12
